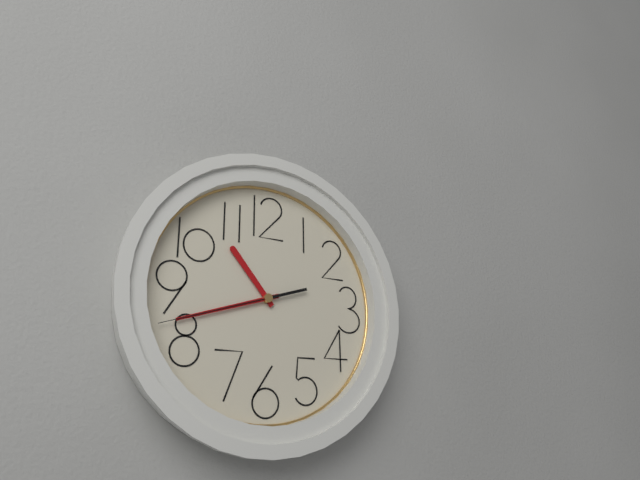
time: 10:42:42
